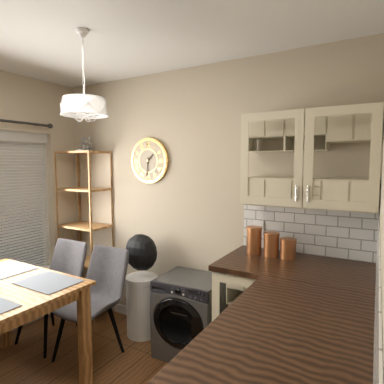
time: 1:31
